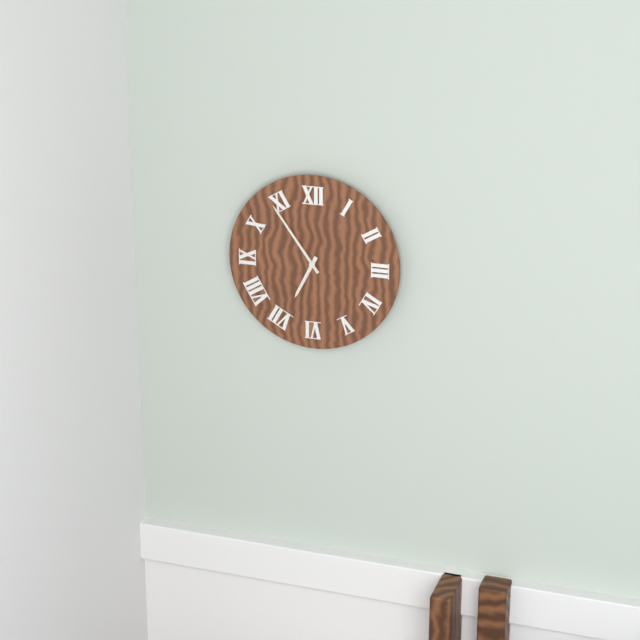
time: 6:54
